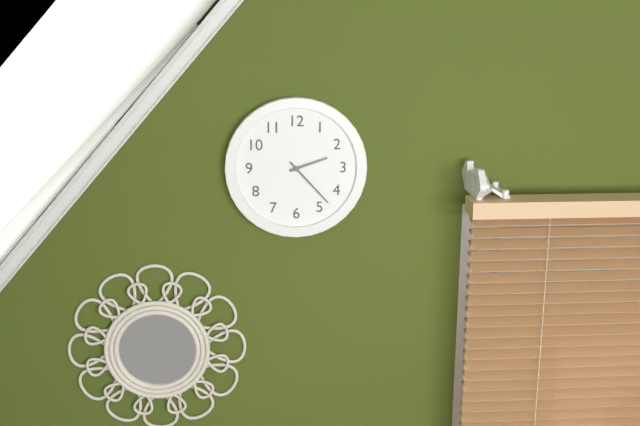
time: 2:23
